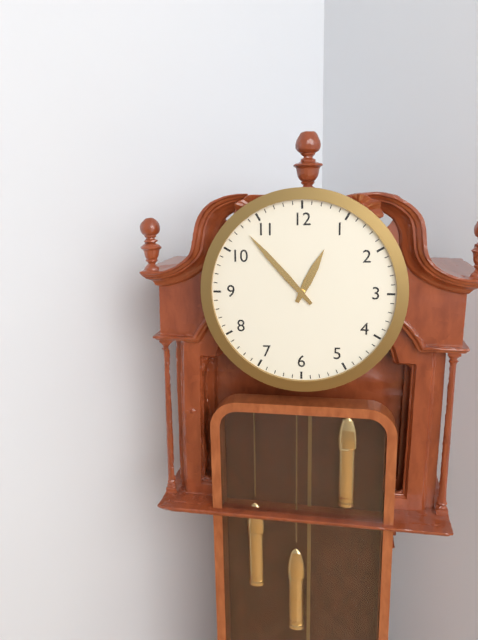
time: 12:53
